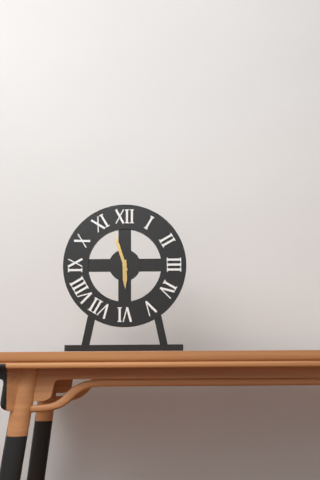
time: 5:57
